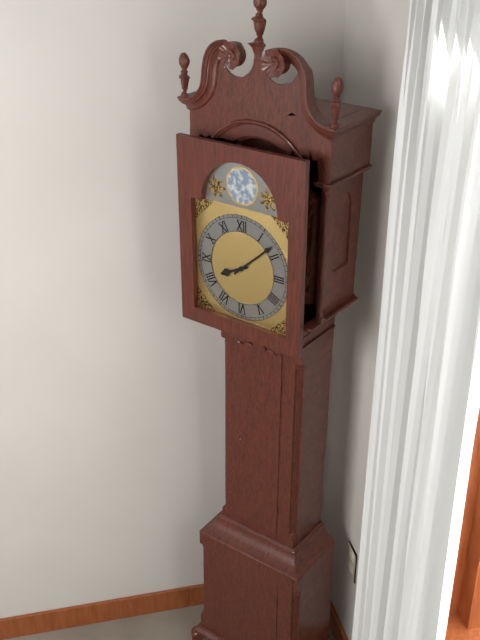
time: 8:08
